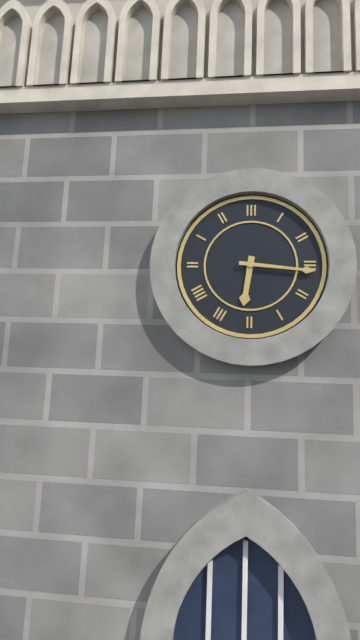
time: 6:16
